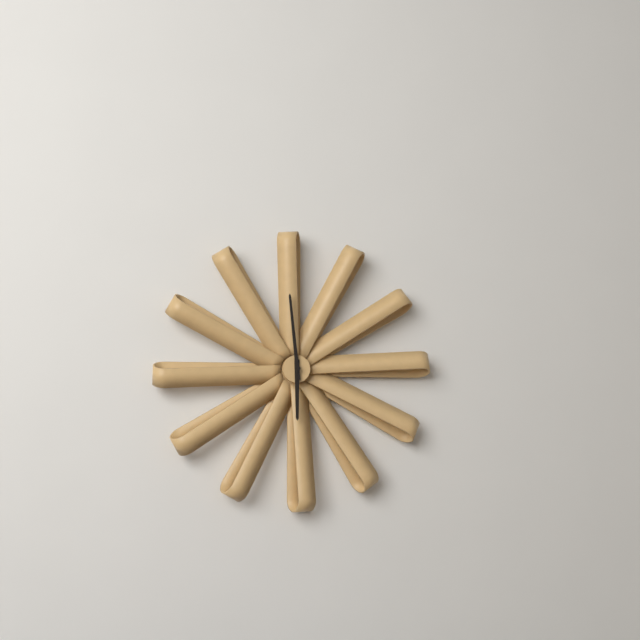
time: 5:59
